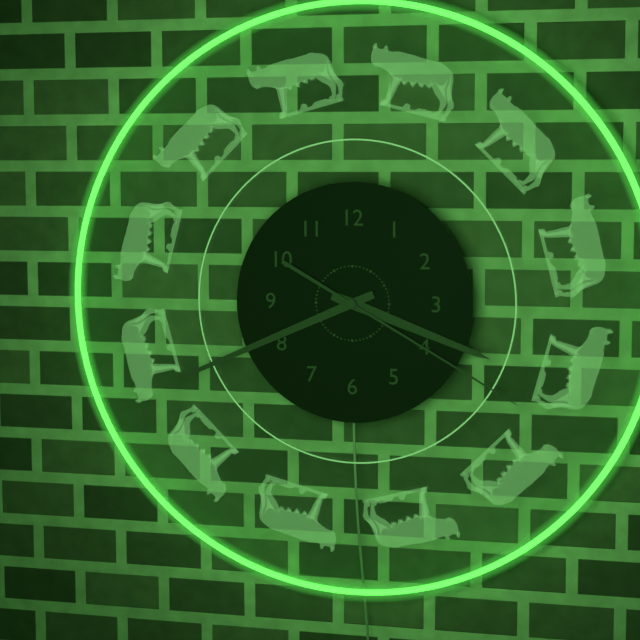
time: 3:41:20
